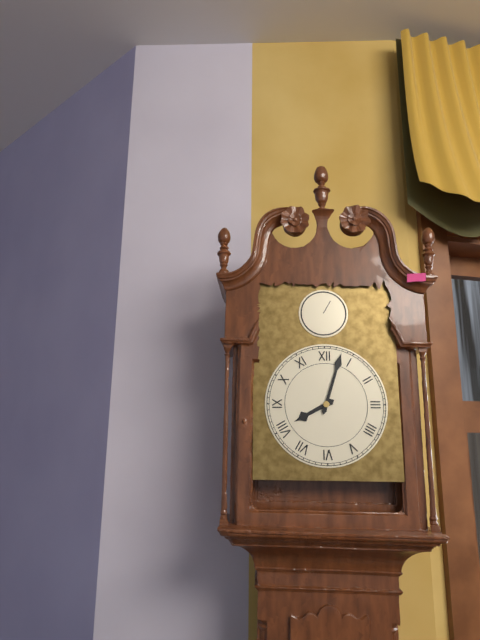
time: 8:03
